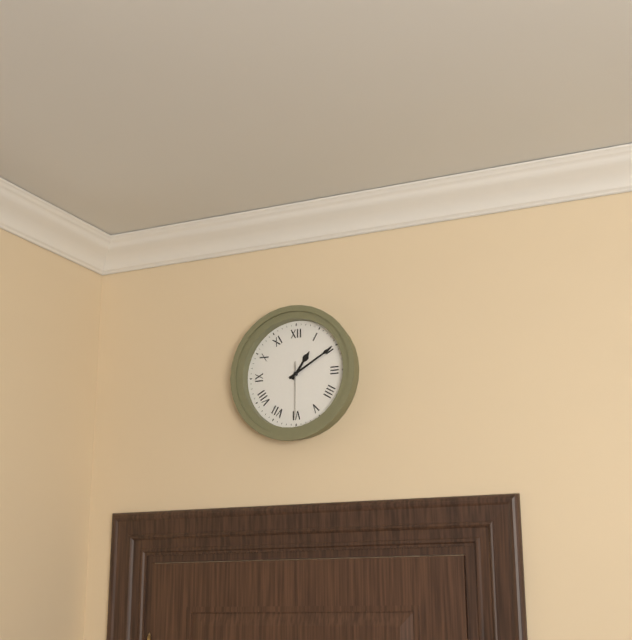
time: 1:10:30
